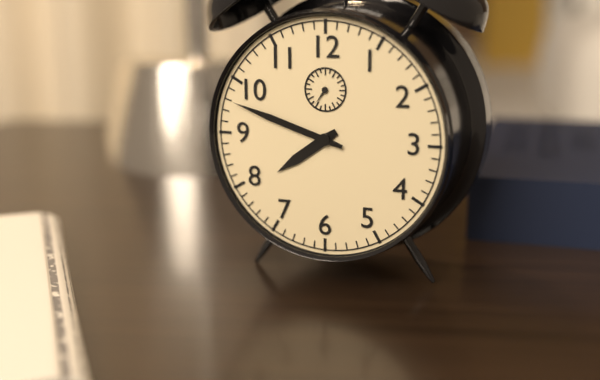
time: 7:48
